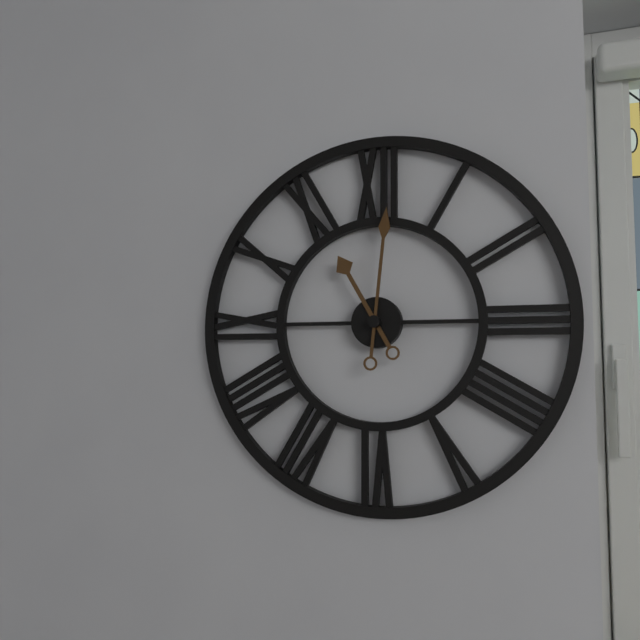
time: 11:01
